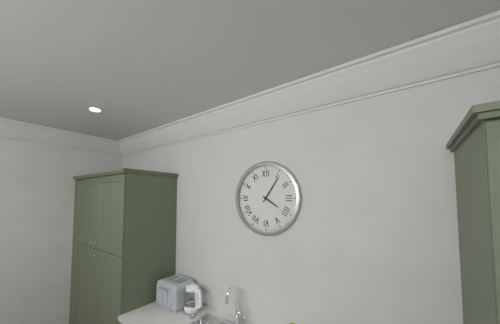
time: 4:06
